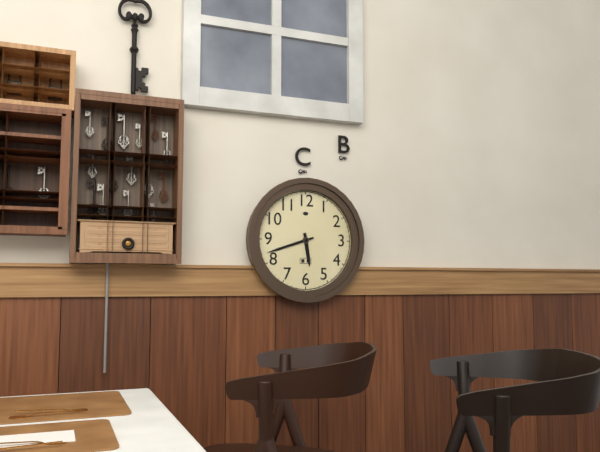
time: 5:42
